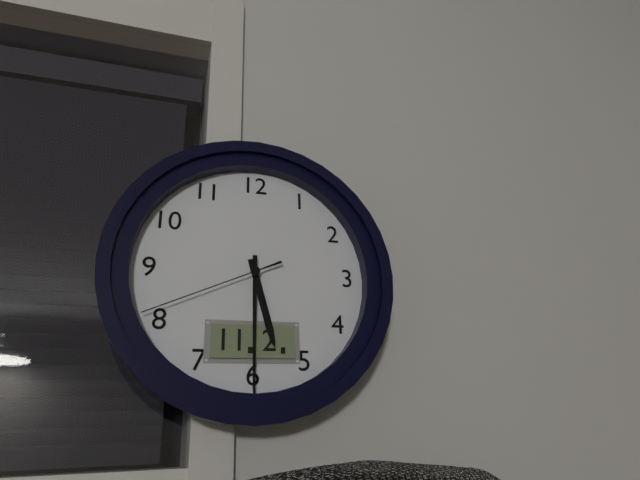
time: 5:30:41
